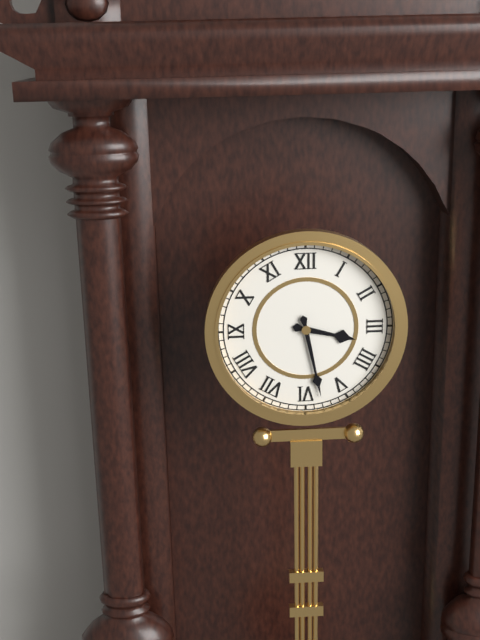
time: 3:28
